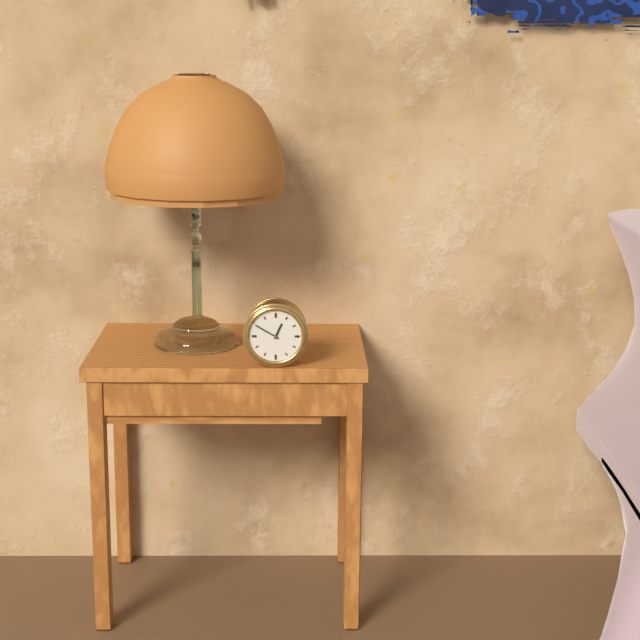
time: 12:50
